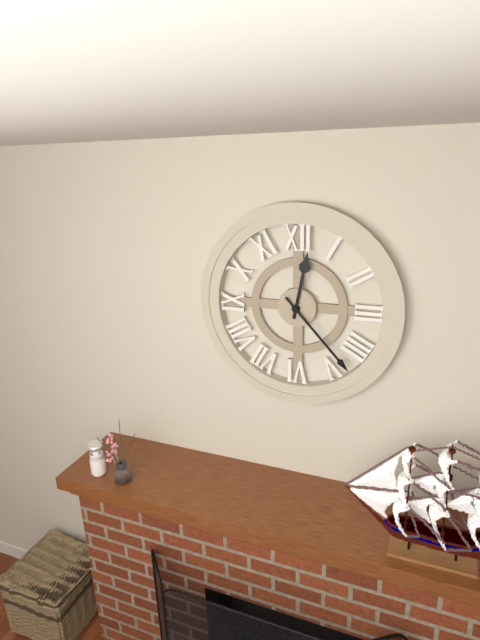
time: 12:23
